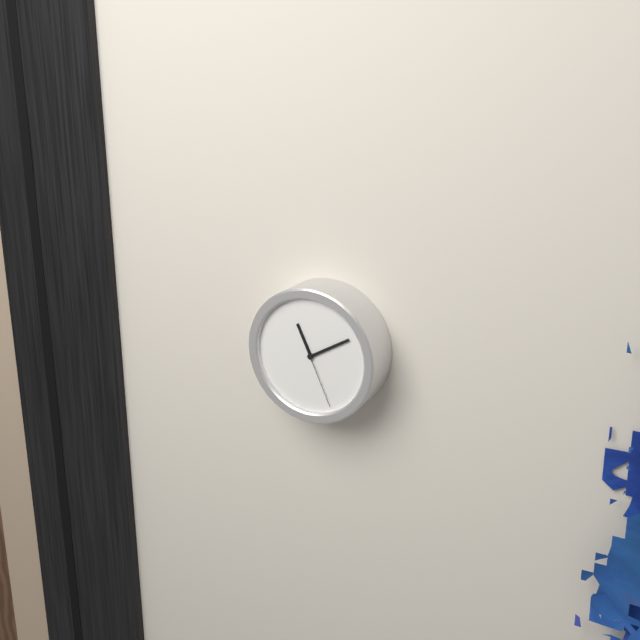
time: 11:10:26
